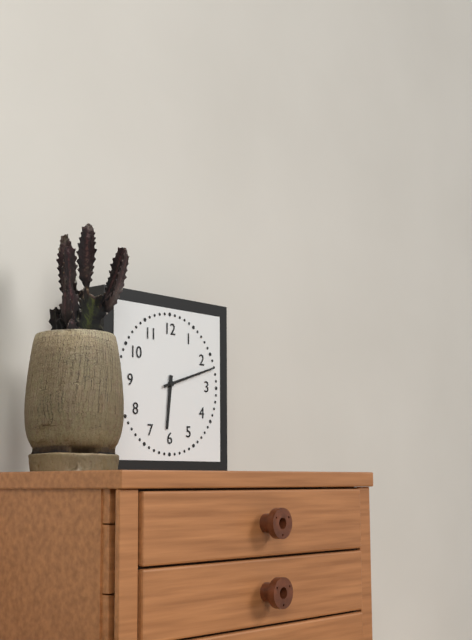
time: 6:12
